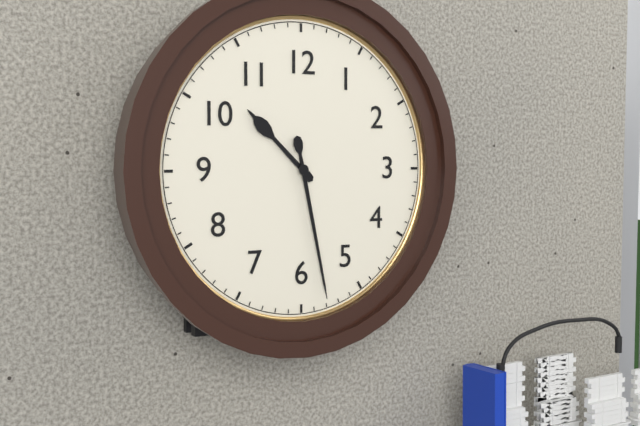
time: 10:28
